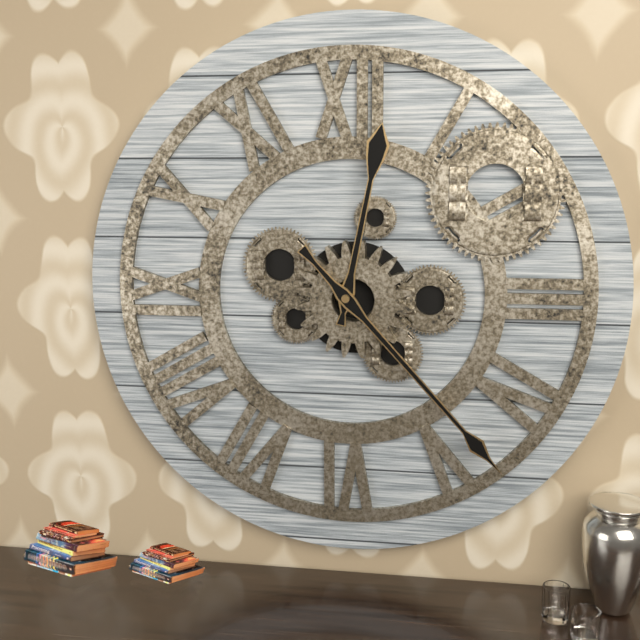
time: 12:23
